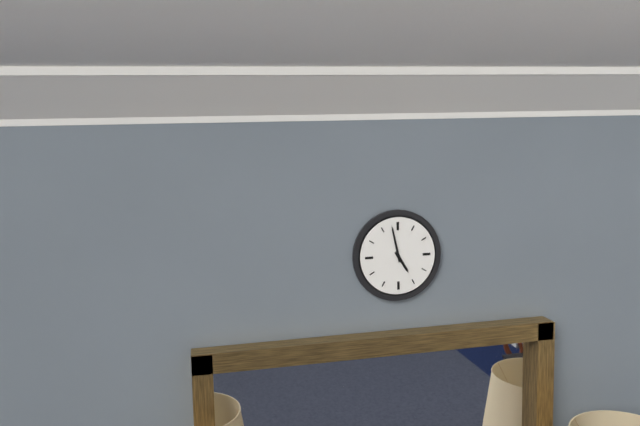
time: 4:58
